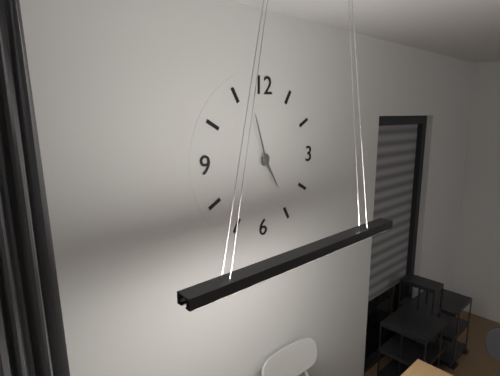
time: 4:57
